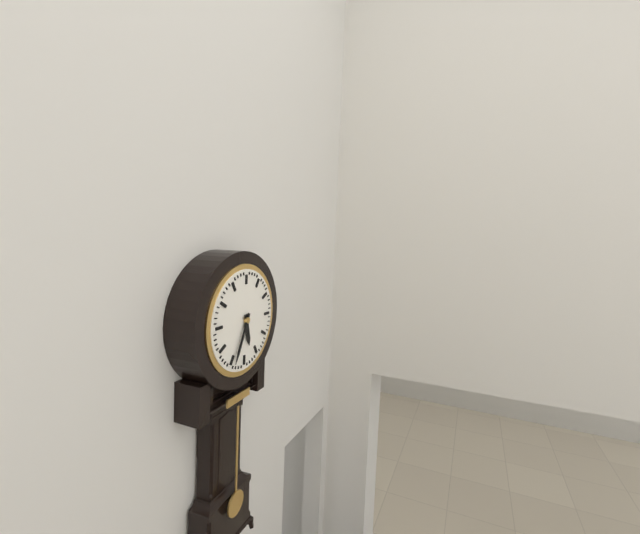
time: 5:34
